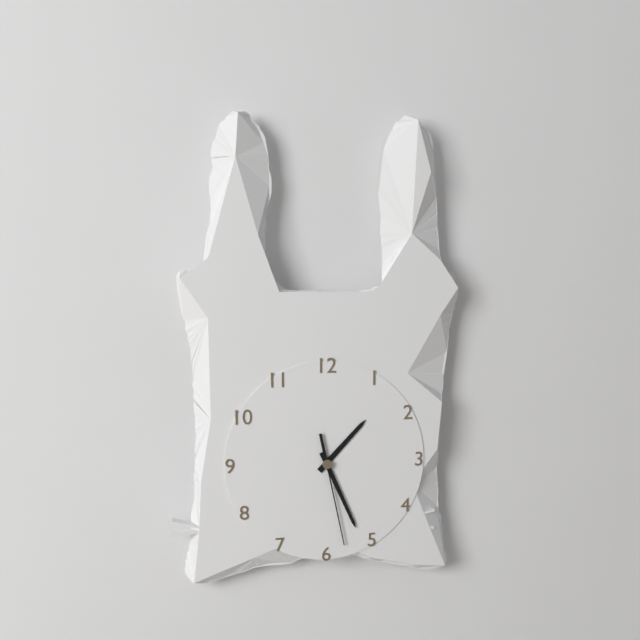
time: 1:26:28
